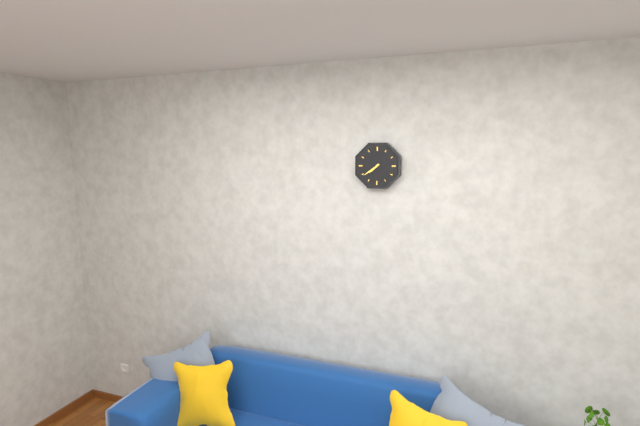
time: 7:39
